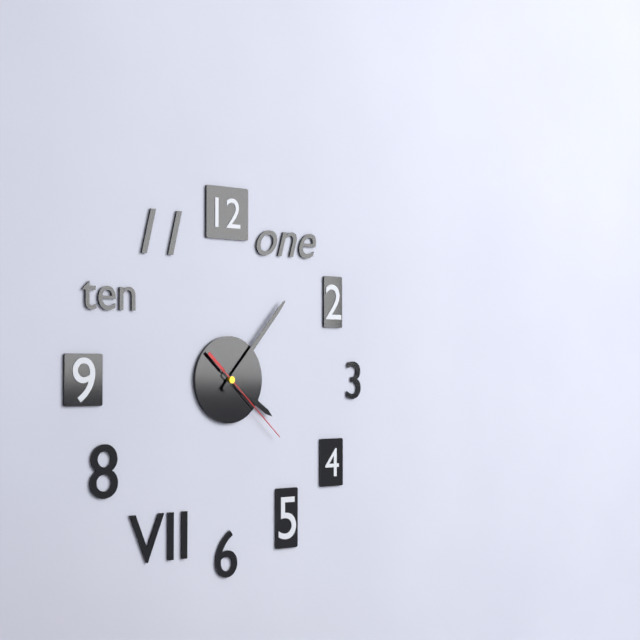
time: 4:07:22
